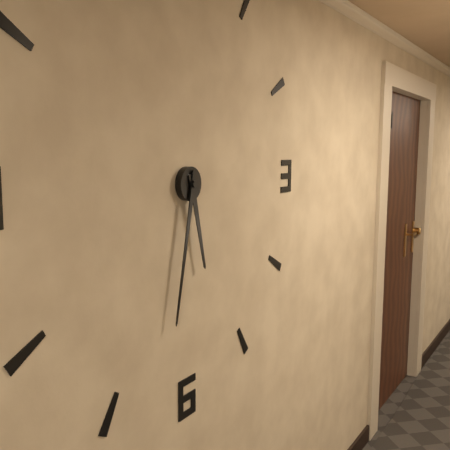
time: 5:32
